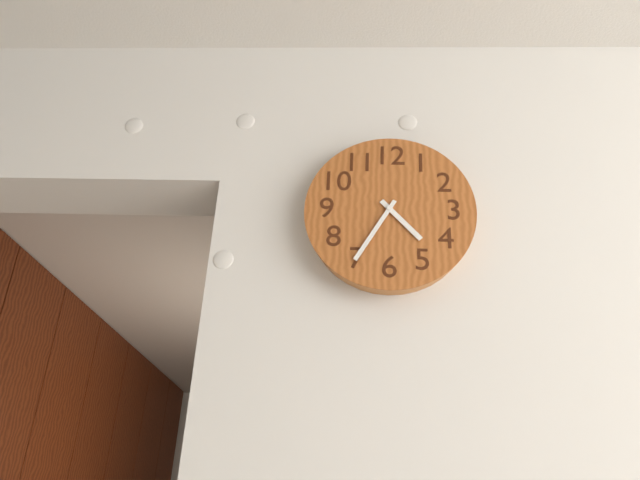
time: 4:35
